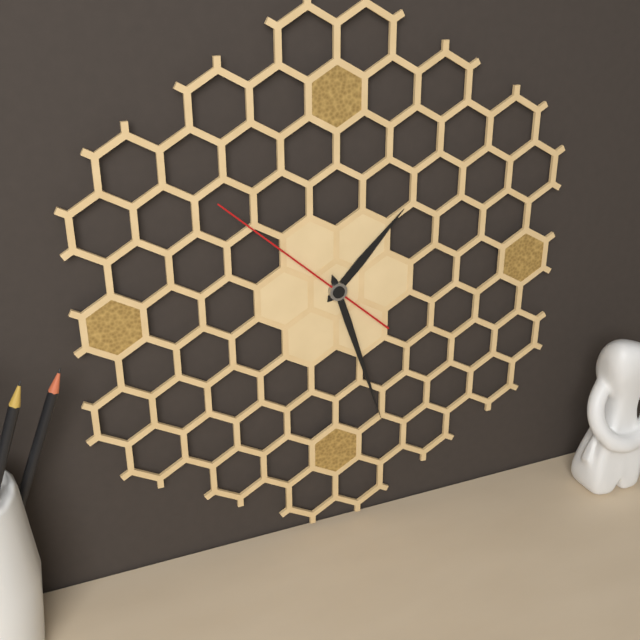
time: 1:27:52
